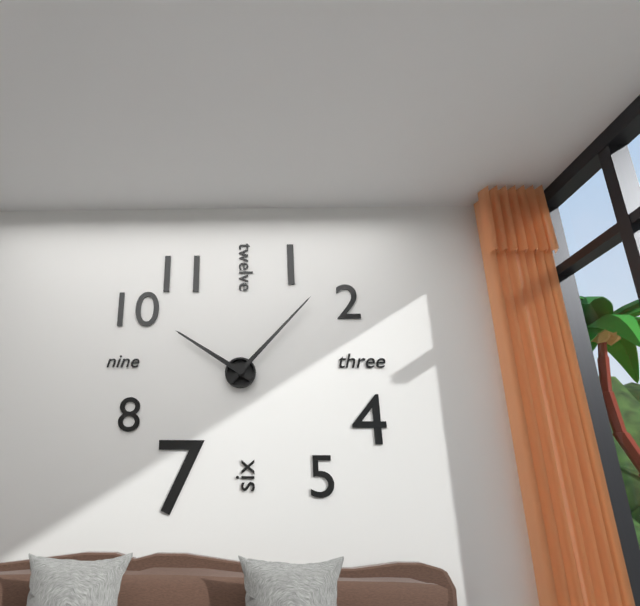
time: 10:07
